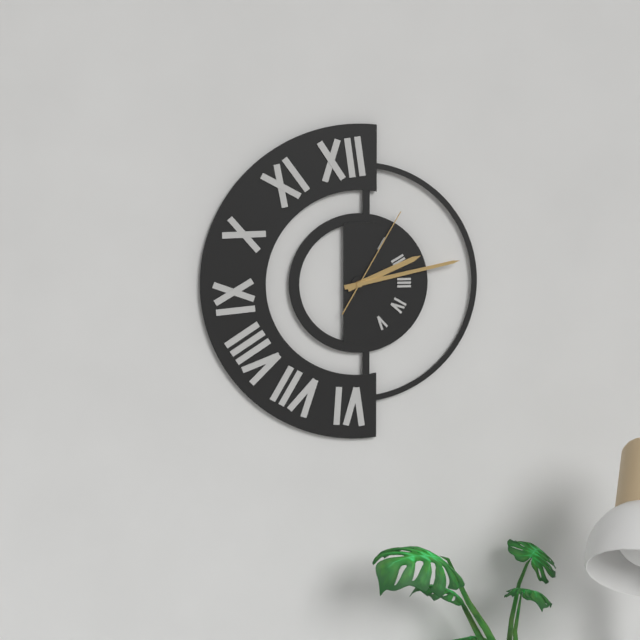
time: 2:13:05
